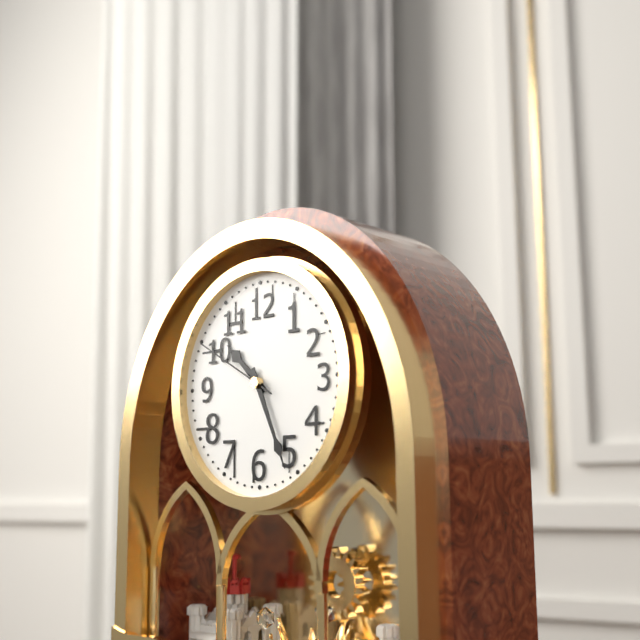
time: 10:26:50
